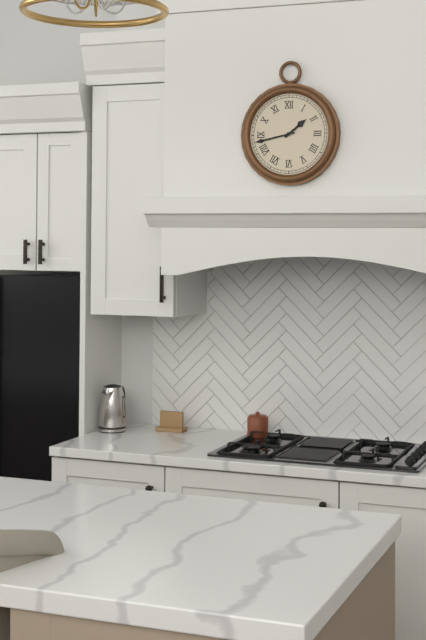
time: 1:43
